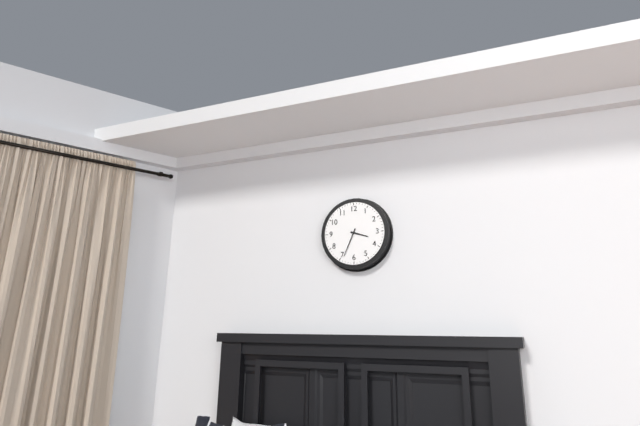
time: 3:34
